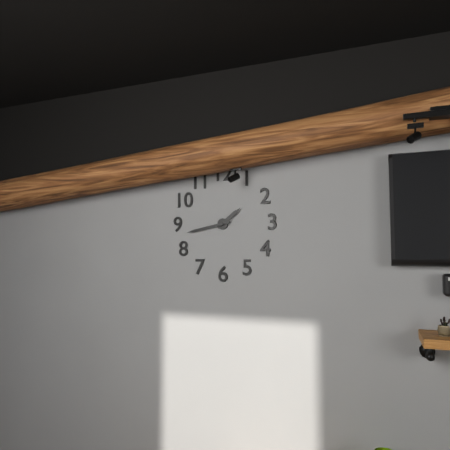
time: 1:43
